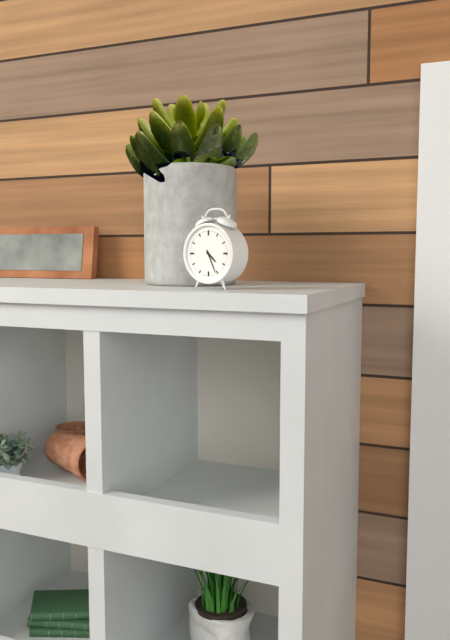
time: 4:26
